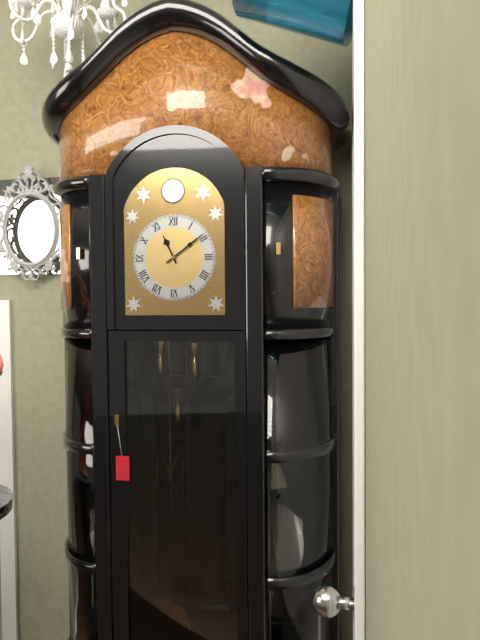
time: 11:09
